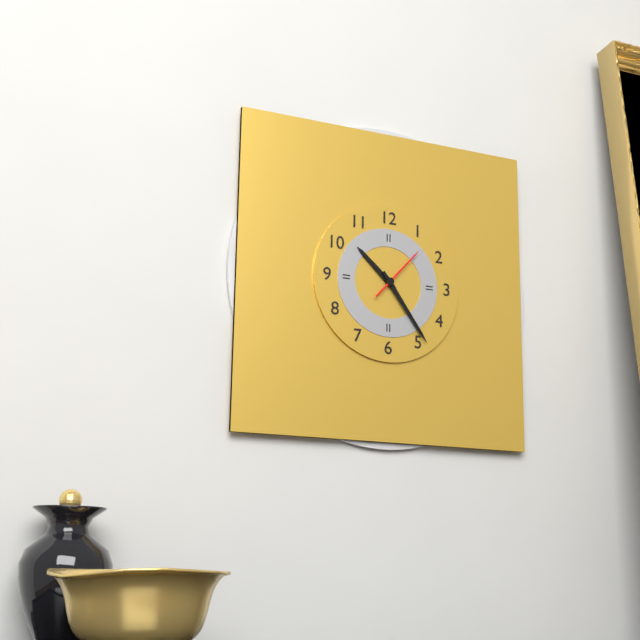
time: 10:24:07
